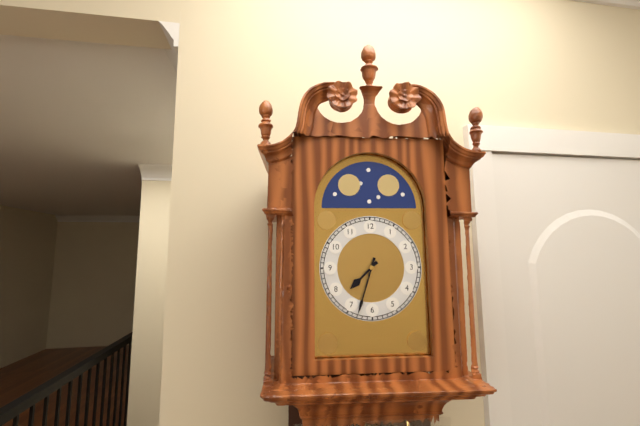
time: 7:33
